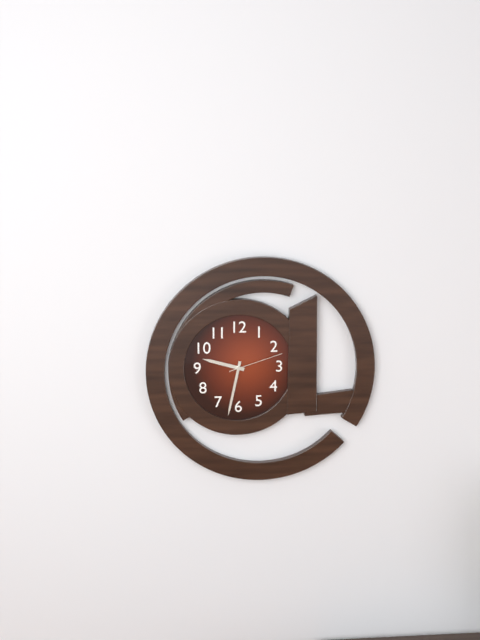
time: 9:32:12
